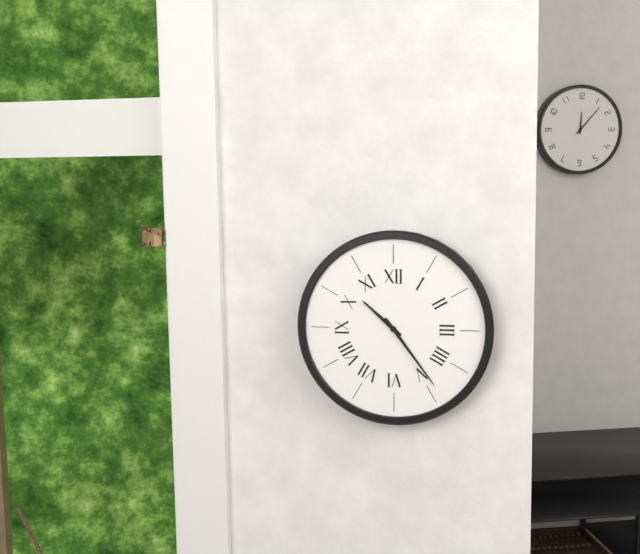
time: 10:24
